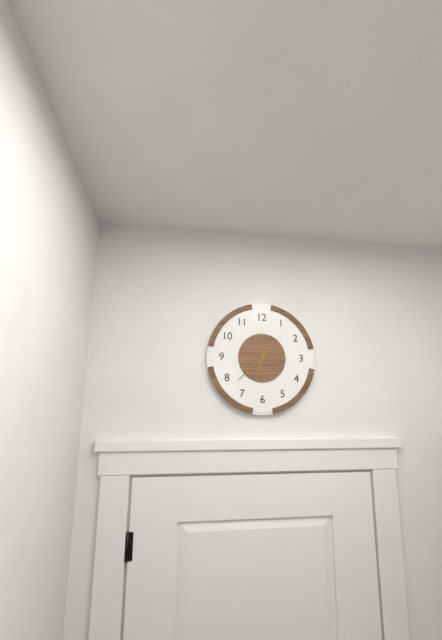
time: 6:38
